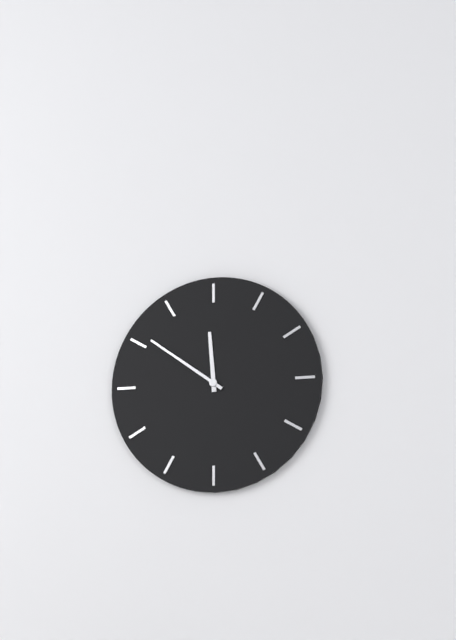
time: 11:51
